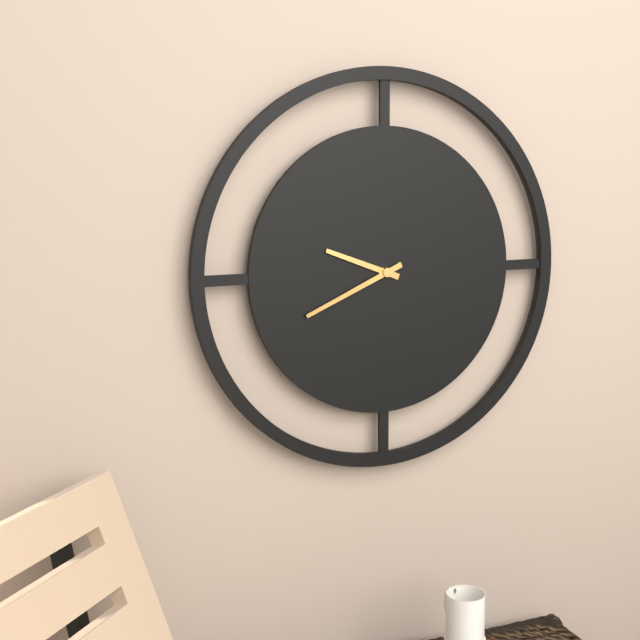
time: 9:41
